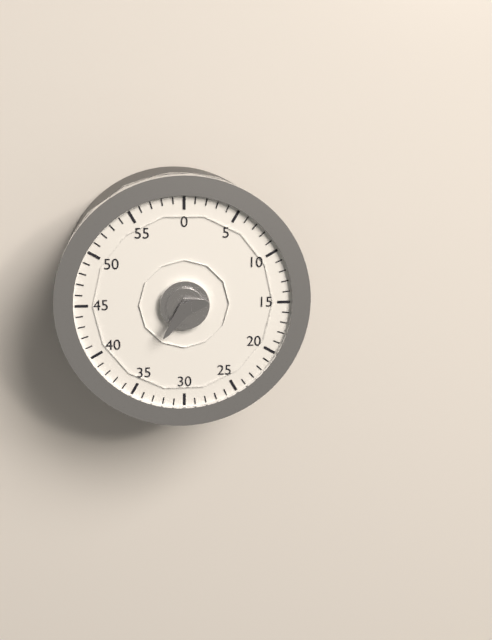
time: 2:36
